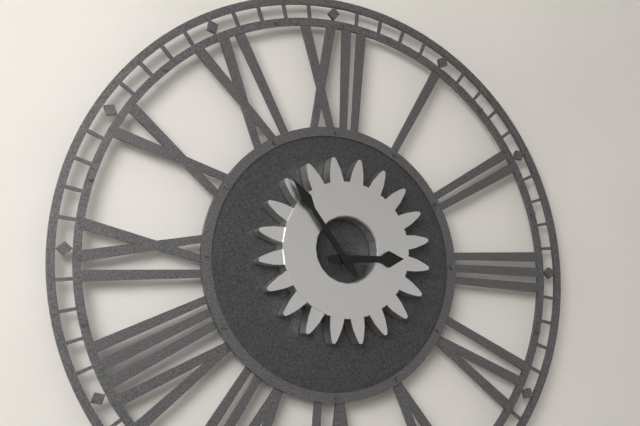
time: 2:54
